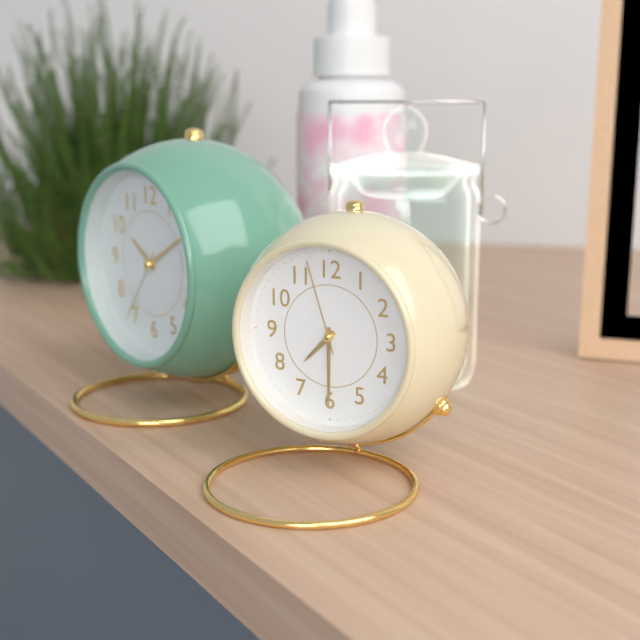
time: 7:30:57
